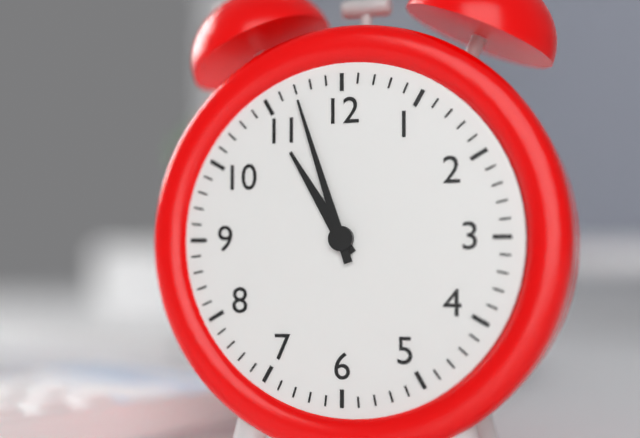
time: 10:57
